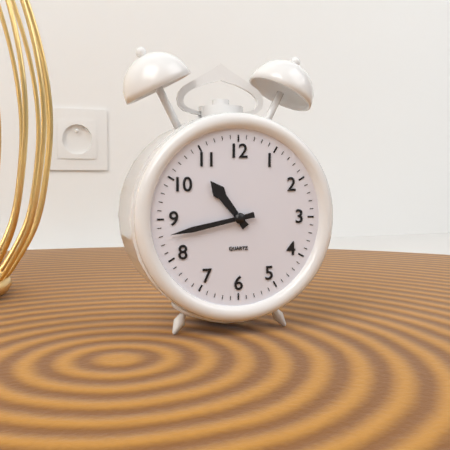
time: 10:43
